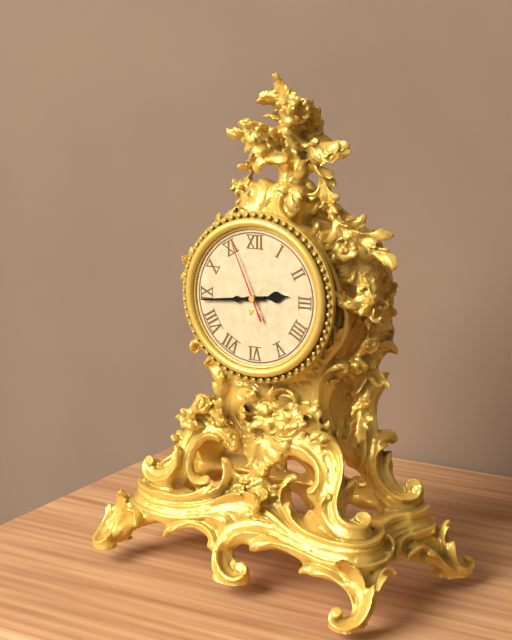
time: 2:44:56
